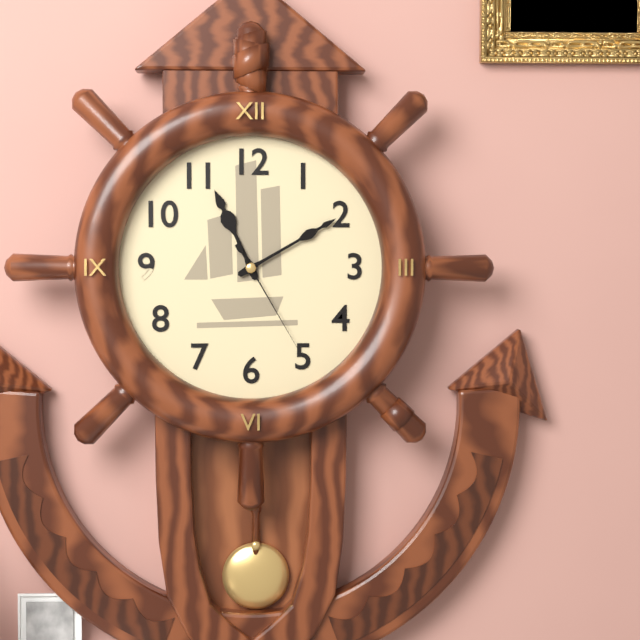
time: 11:10:25
